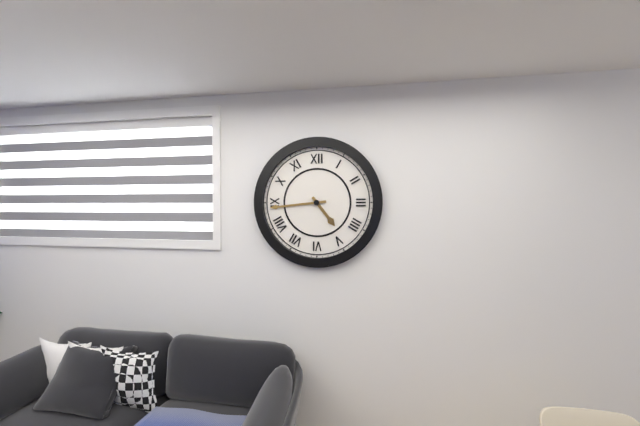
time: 4:44
